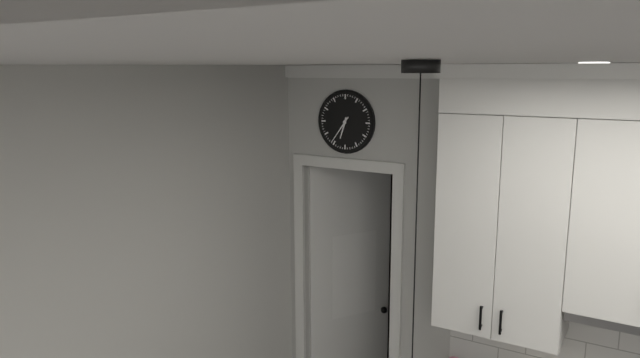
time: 6:36
